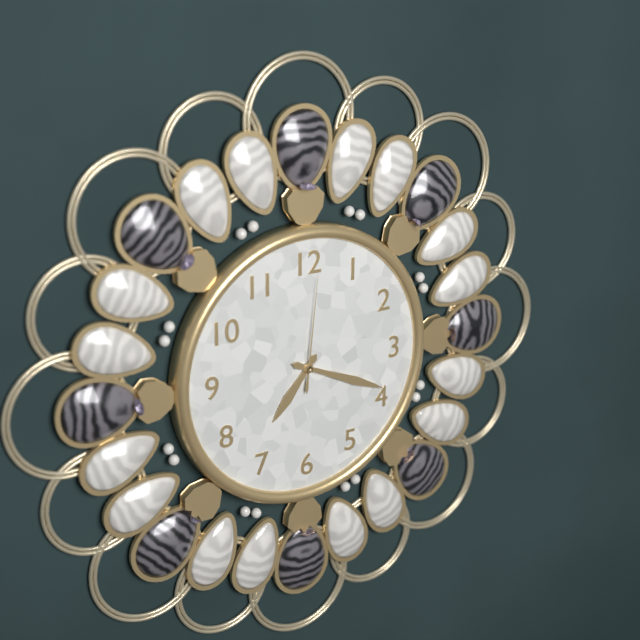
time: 7:19:01
